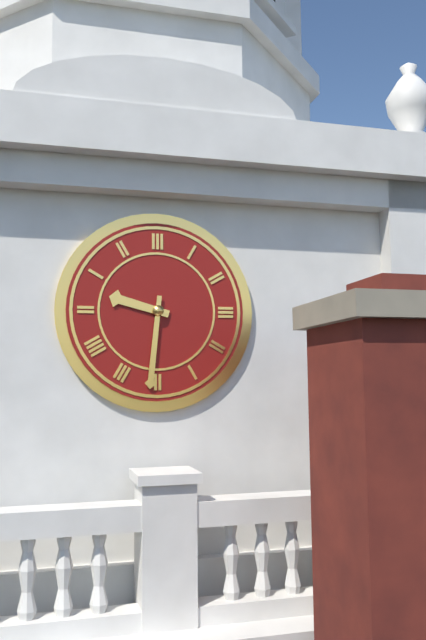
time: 9:31
